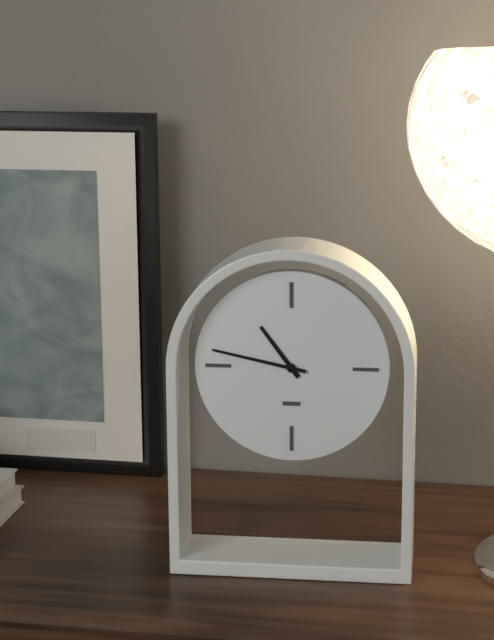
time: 10:47
